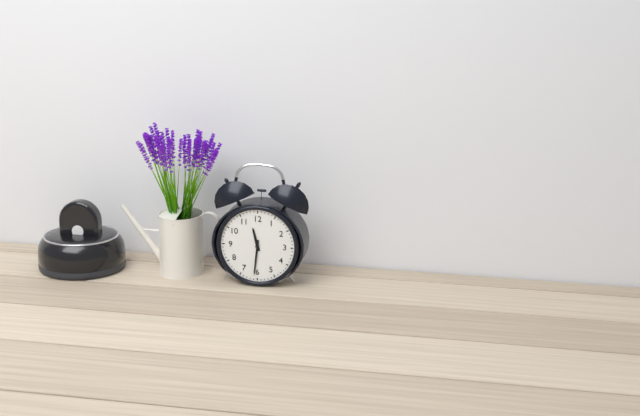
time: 11:31
